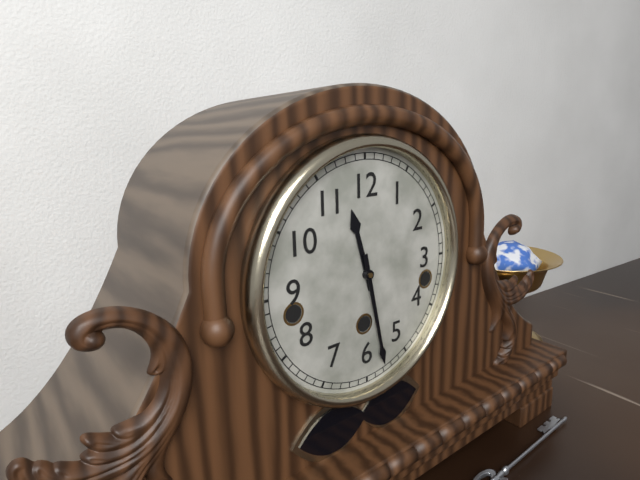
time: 11:28
